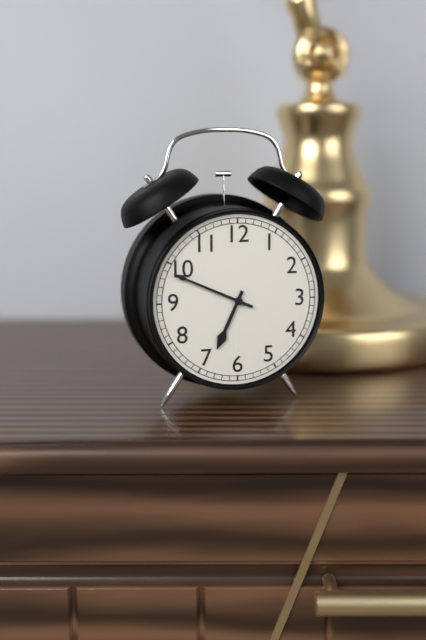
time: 6:49
